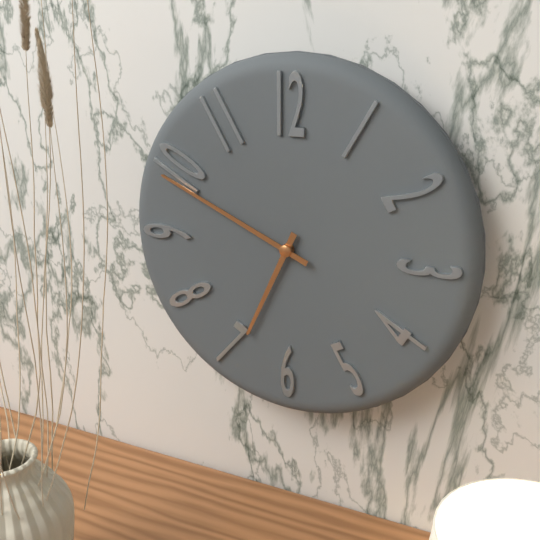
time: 6:49
